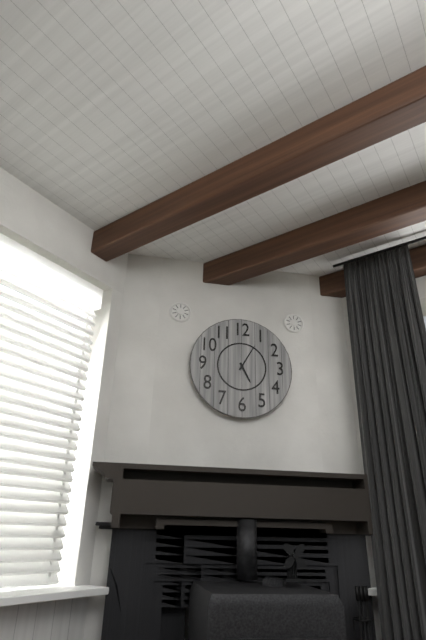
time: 5:05
